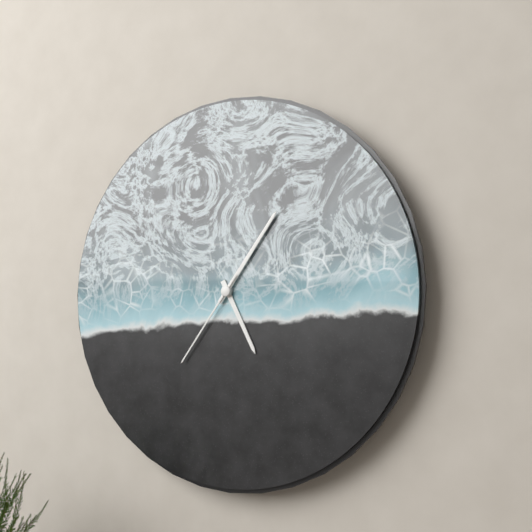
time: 5:06:36
